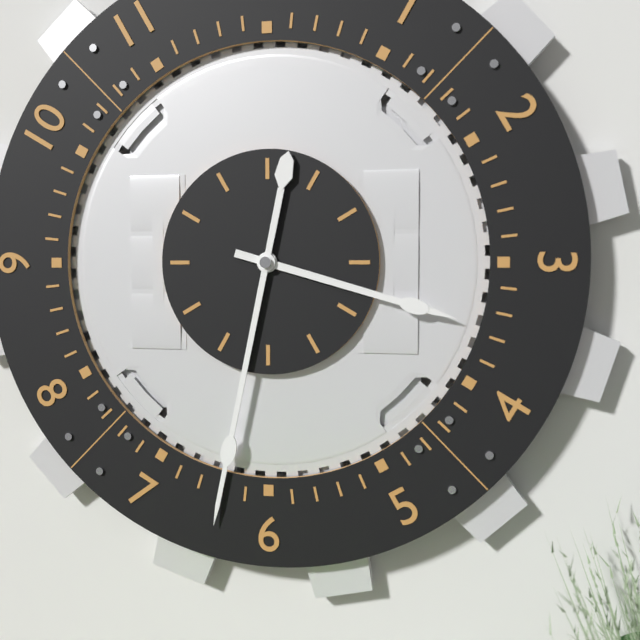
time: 3:32
